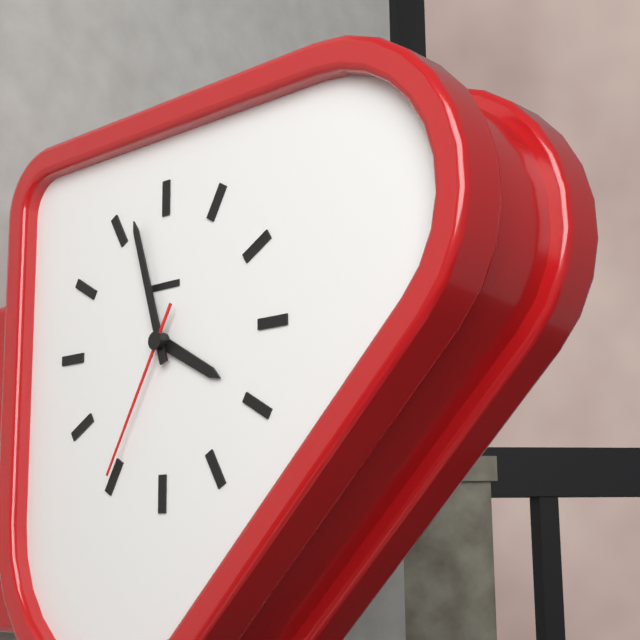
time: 3:57:35
